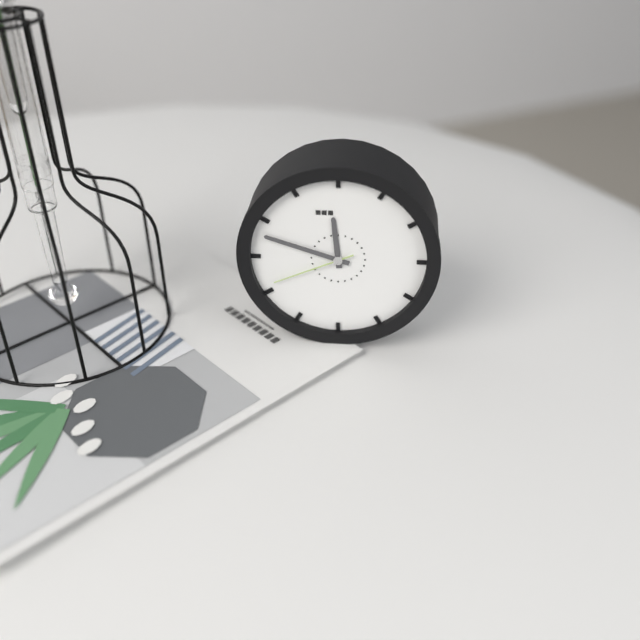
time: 11:48:41
